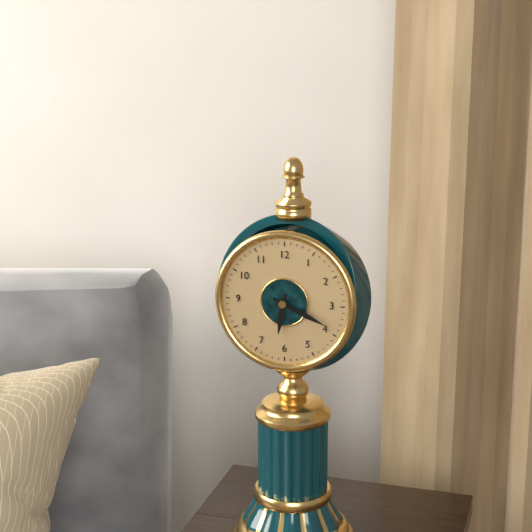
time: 6:19
